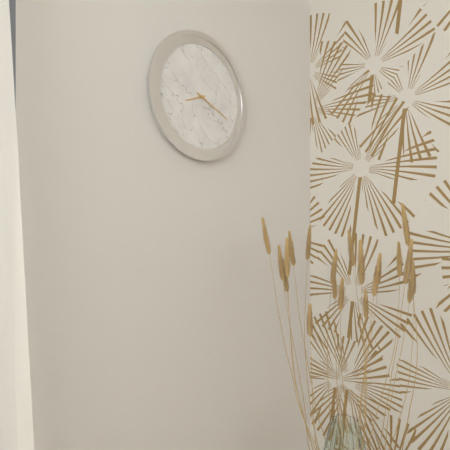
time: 8:19
